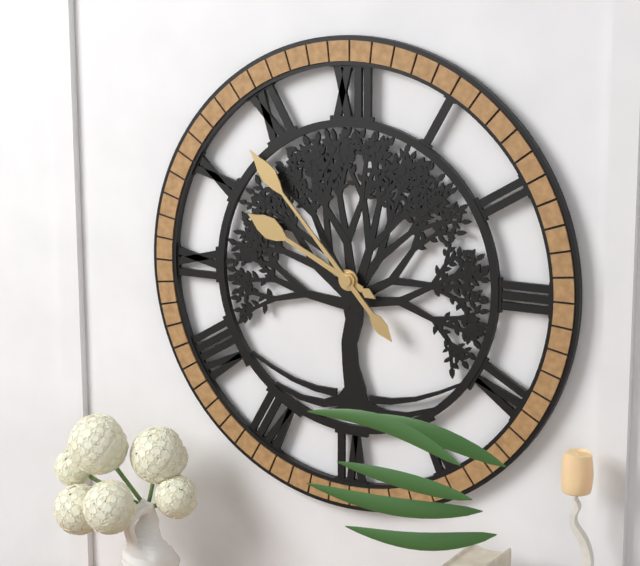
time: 9:53
